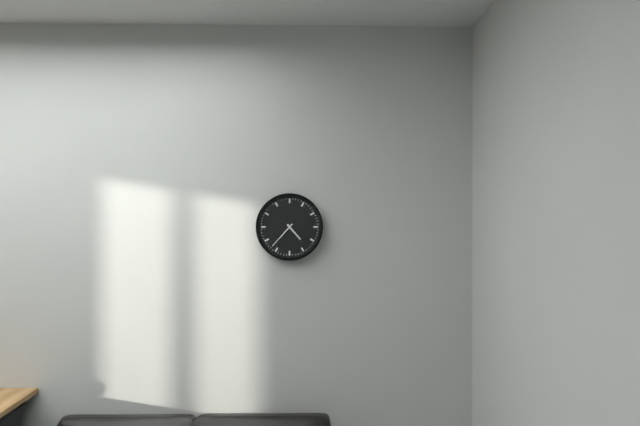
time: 4:37
